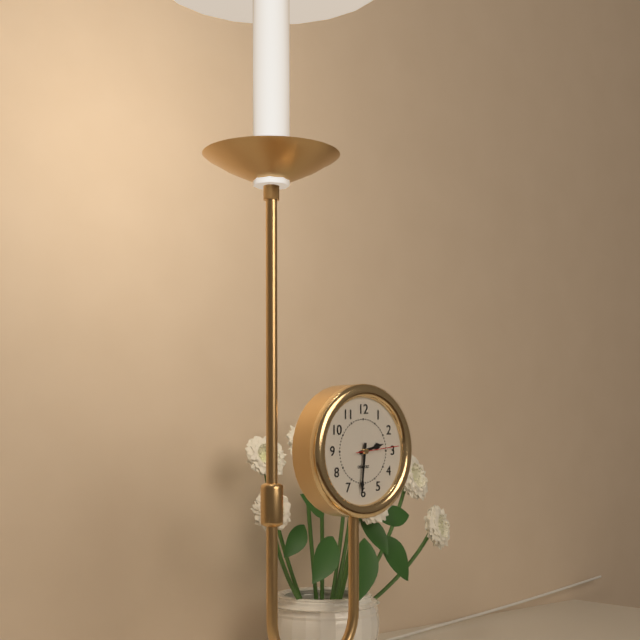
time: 2:31
